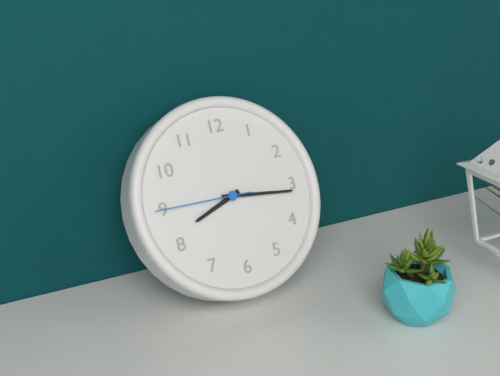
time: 8:16:45
